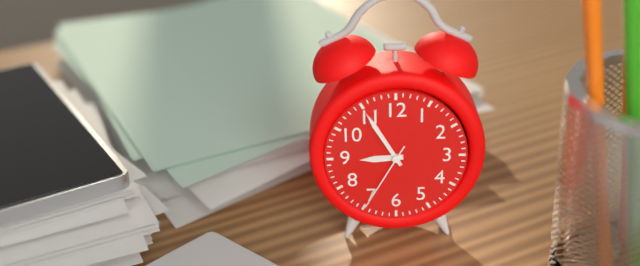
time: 8:55:35
